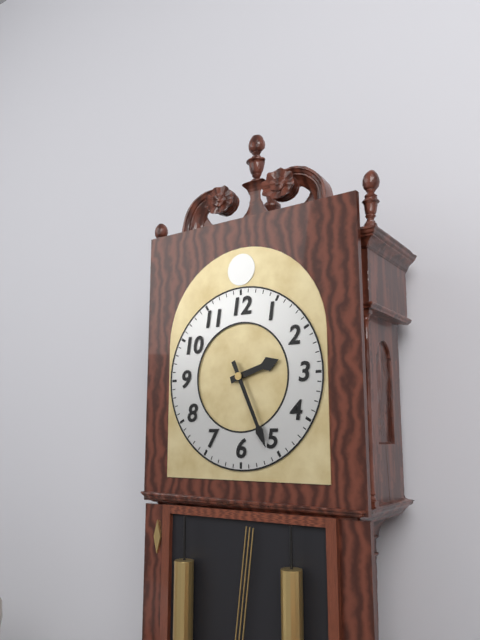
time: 2:26
